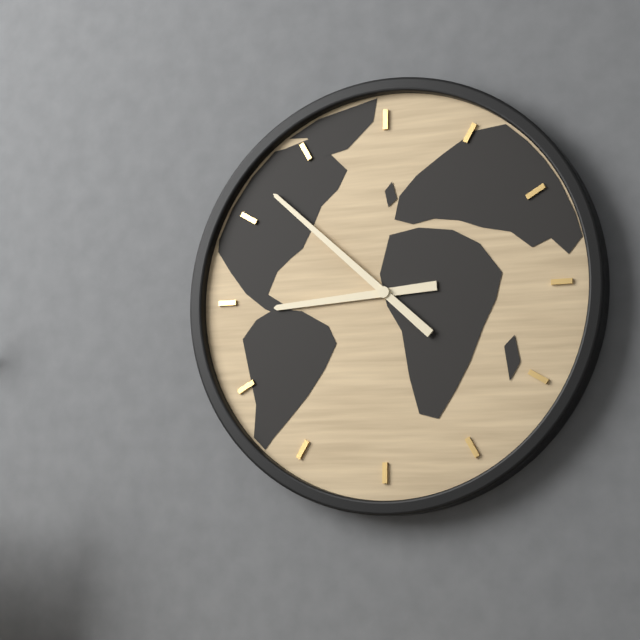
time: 8:52
